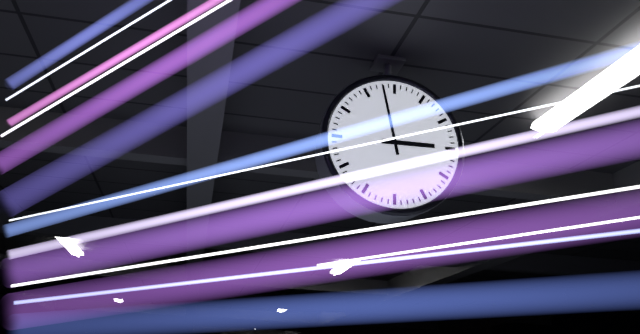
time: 2:58
